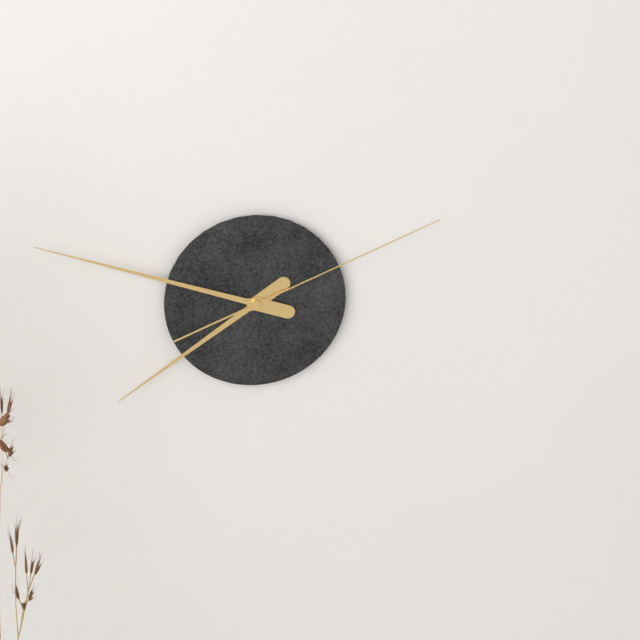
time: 7:48:11
